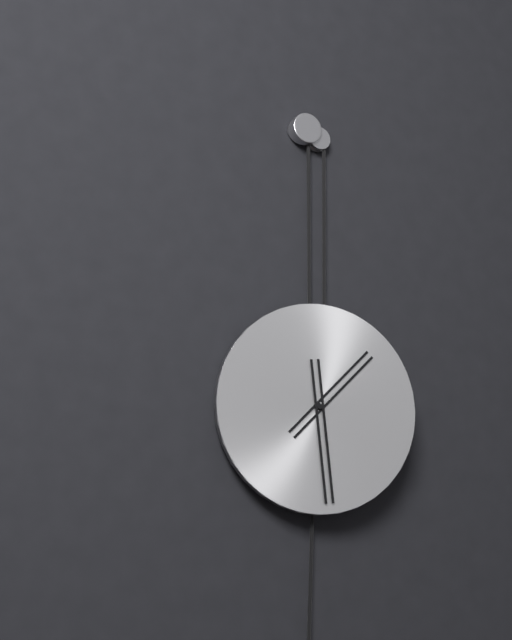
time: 1:29
